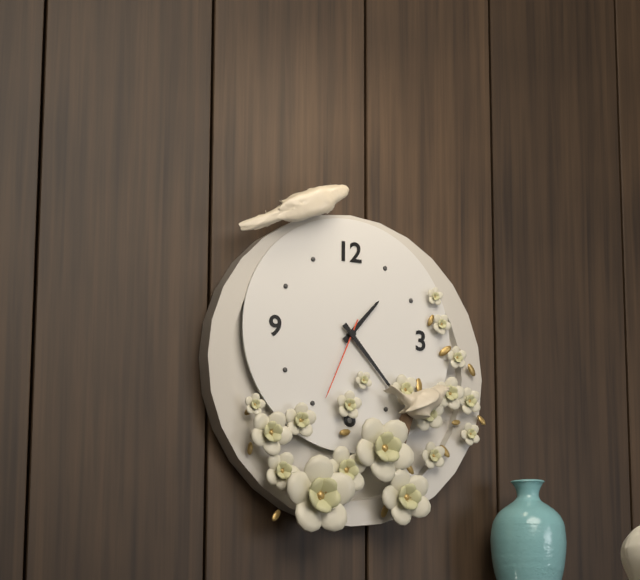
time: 1:23:34
